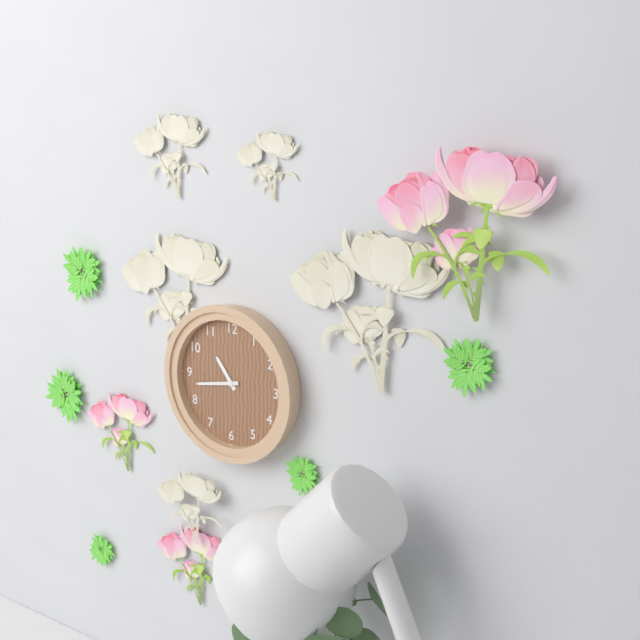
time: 10:43
